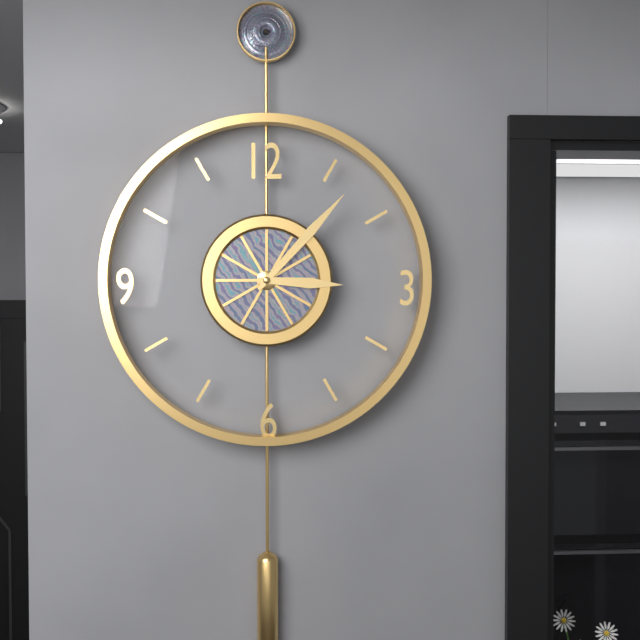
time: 3:07
